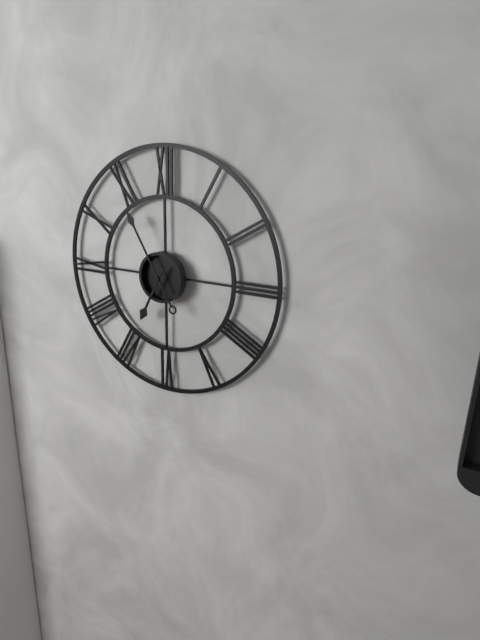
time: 6:55
